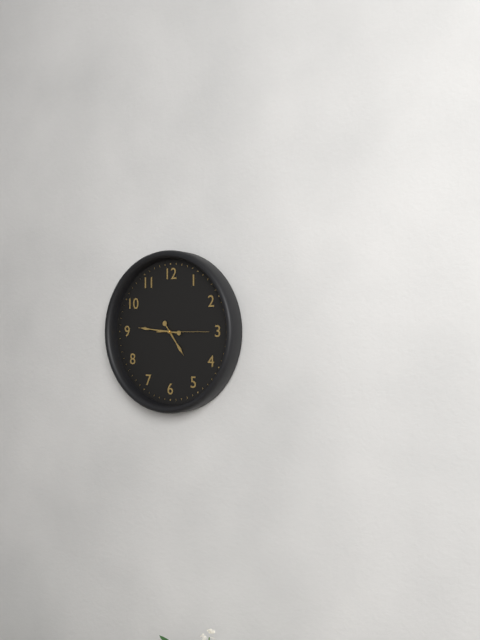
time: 4:46
